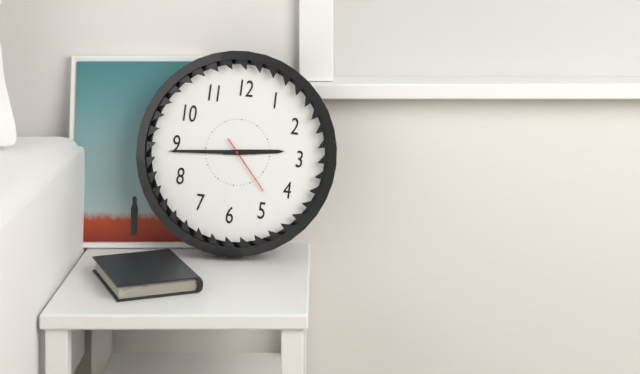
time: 2:44:23
